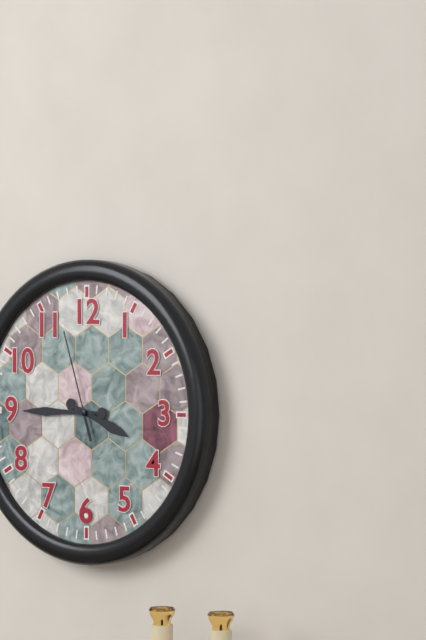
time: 3:45:57
